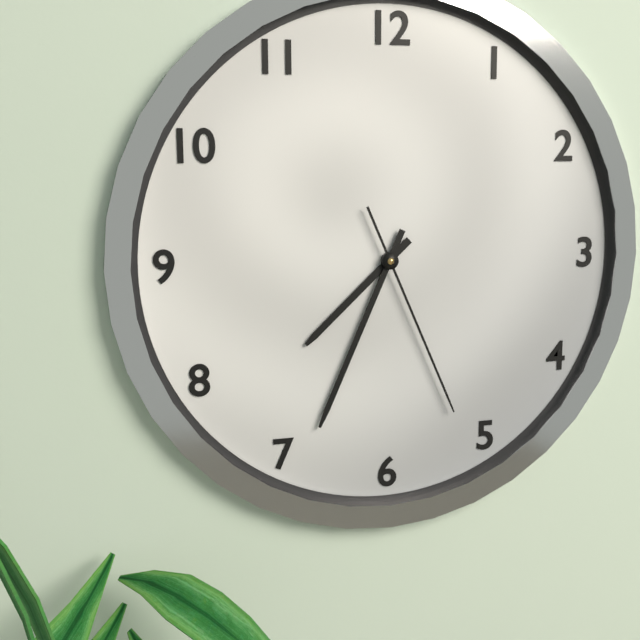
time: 7:34:26
